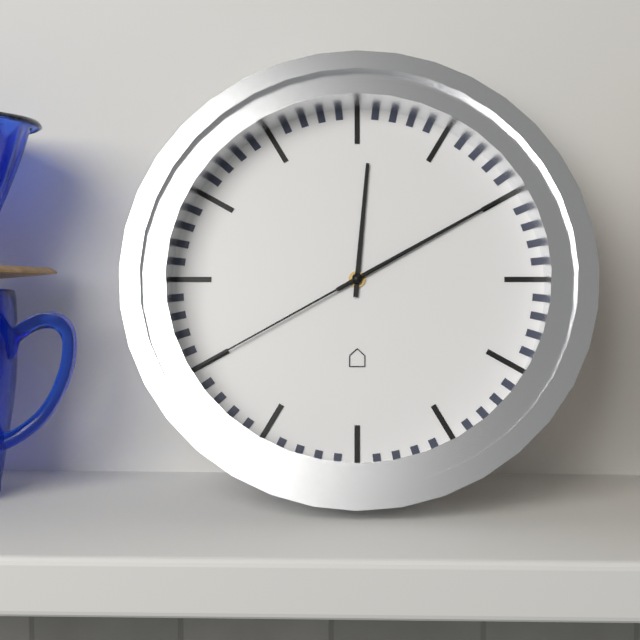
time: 12:10:40
